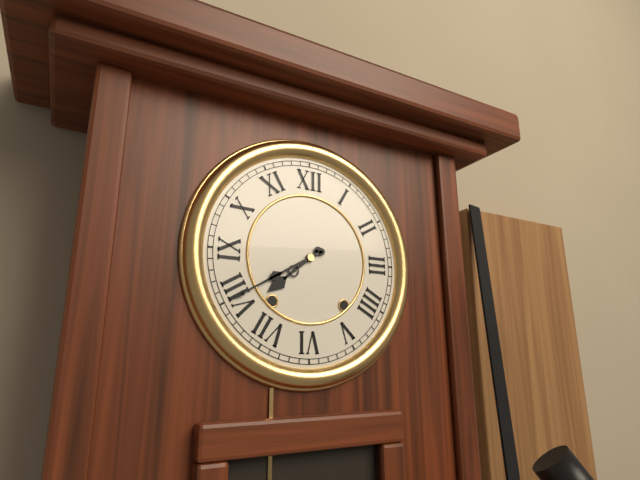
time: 7:40
